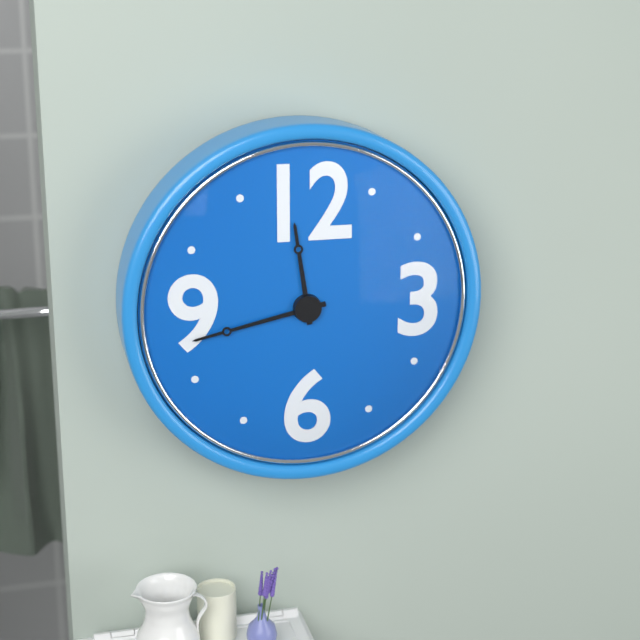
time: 11:43
